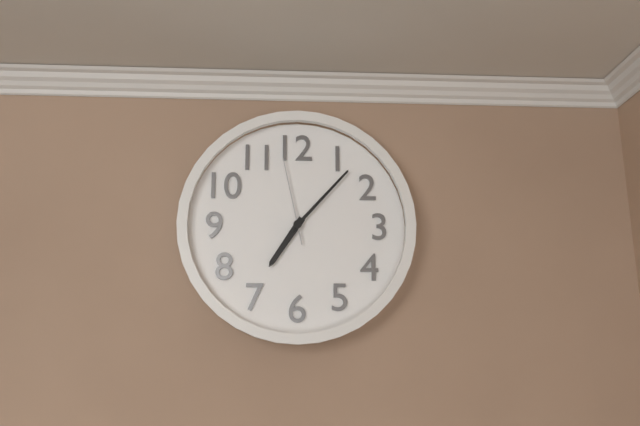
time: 7:07:58
